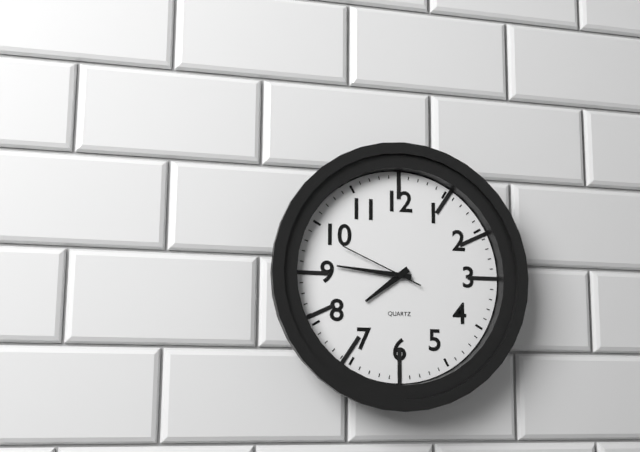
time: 7:46:49
